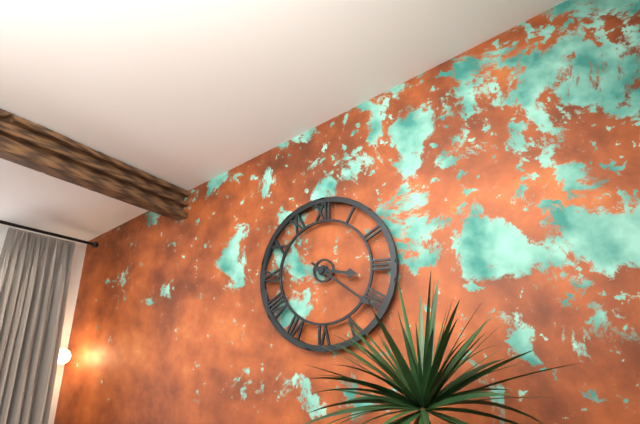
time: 3:21
